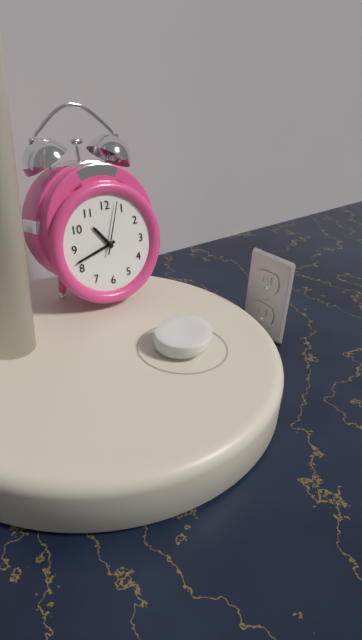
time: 10:42:03
